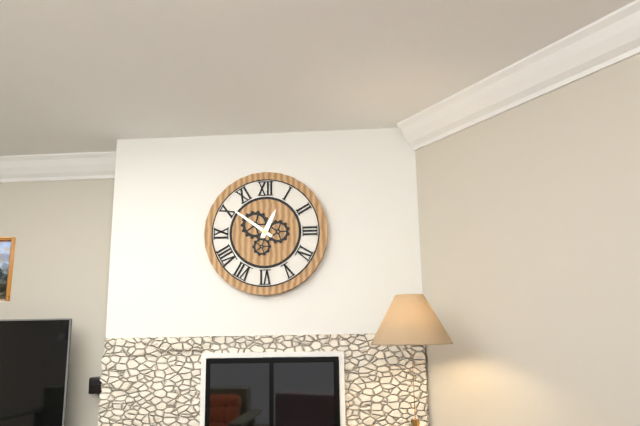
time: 12:51
